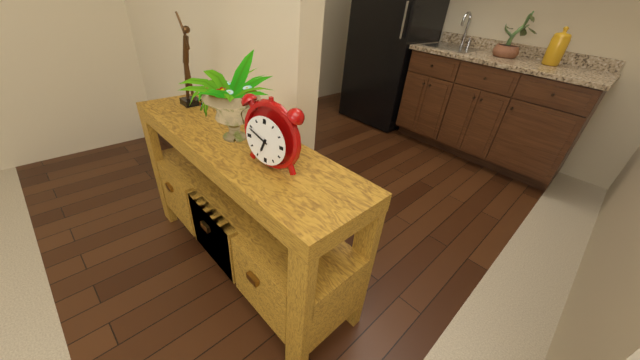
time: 6:49
